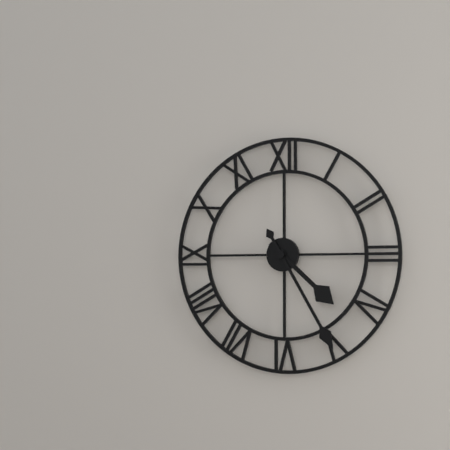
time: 4:25
